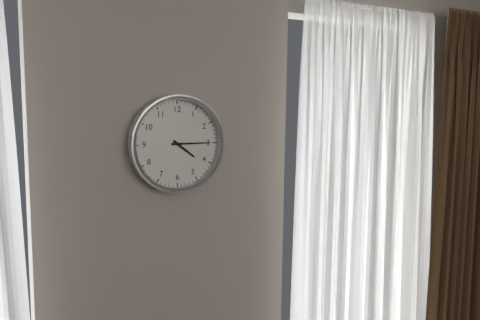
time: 4:15
